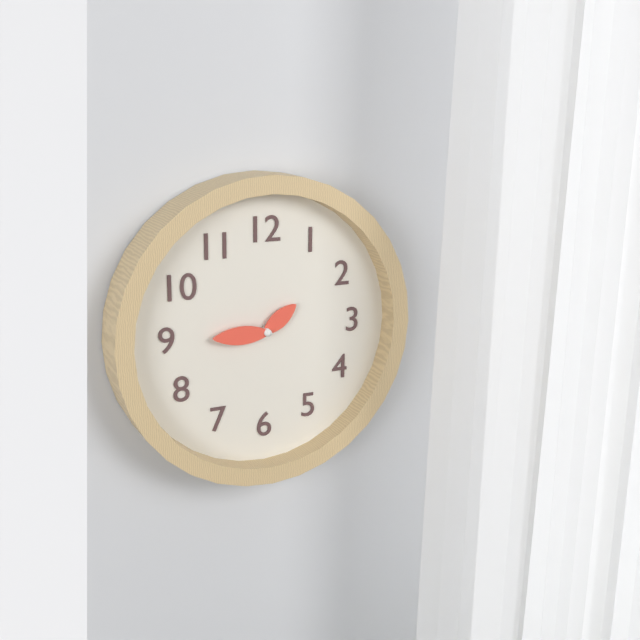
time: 1:45
